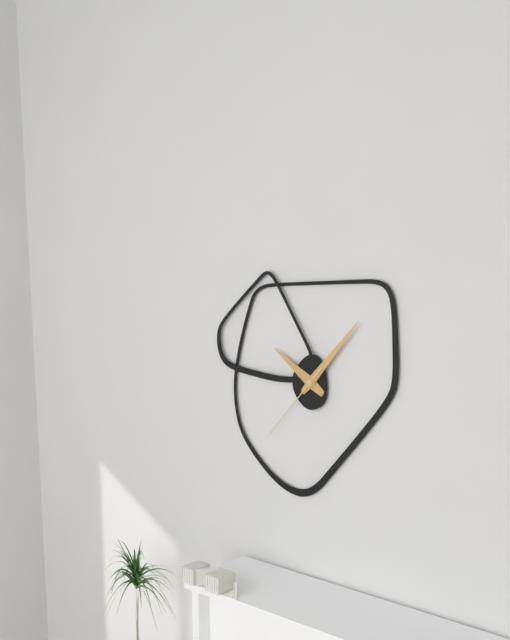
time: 10:07:37
